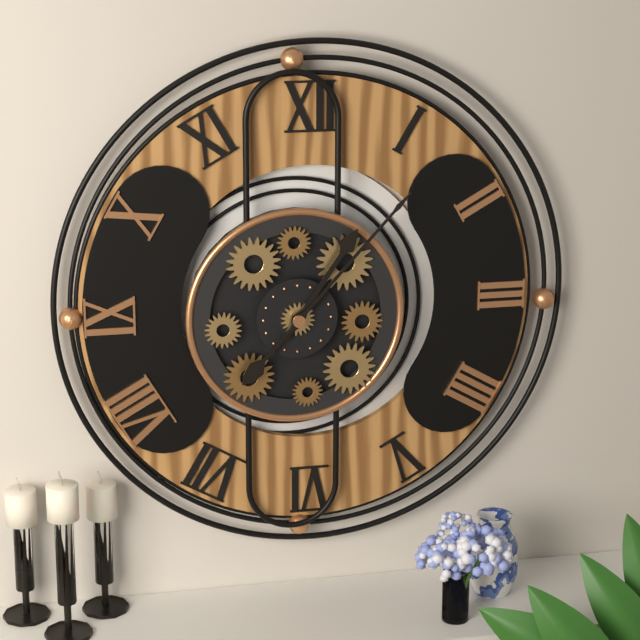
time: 1:07
